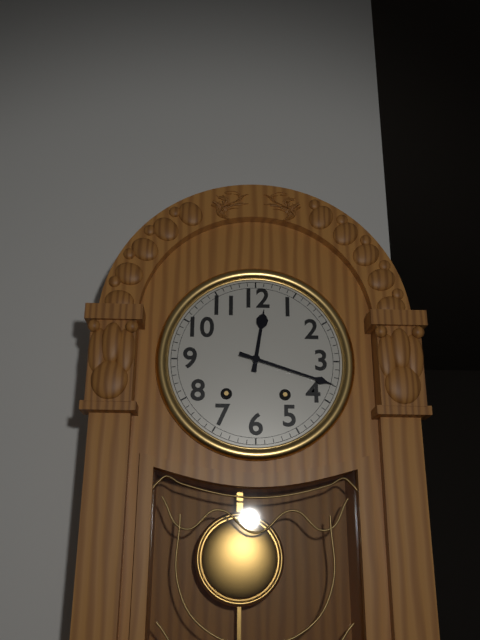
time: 12:18
